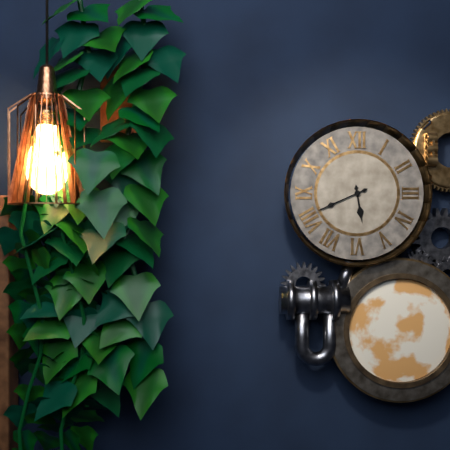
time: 5:41
